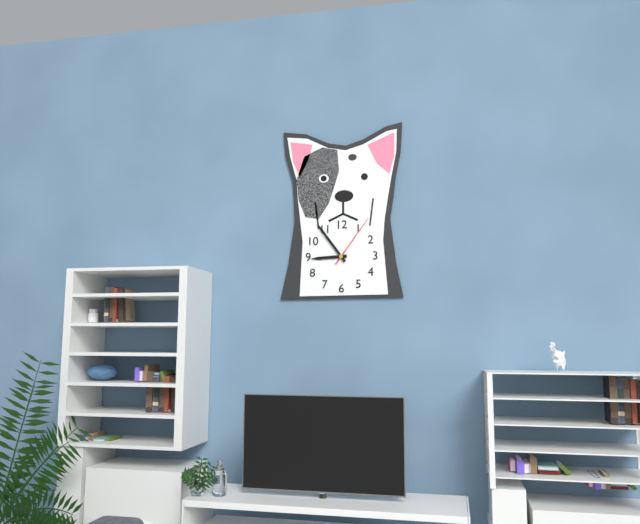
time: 8:54:06
